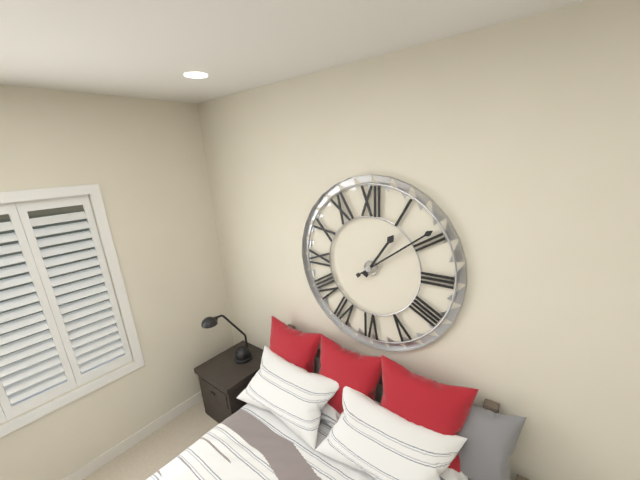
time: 1:09
